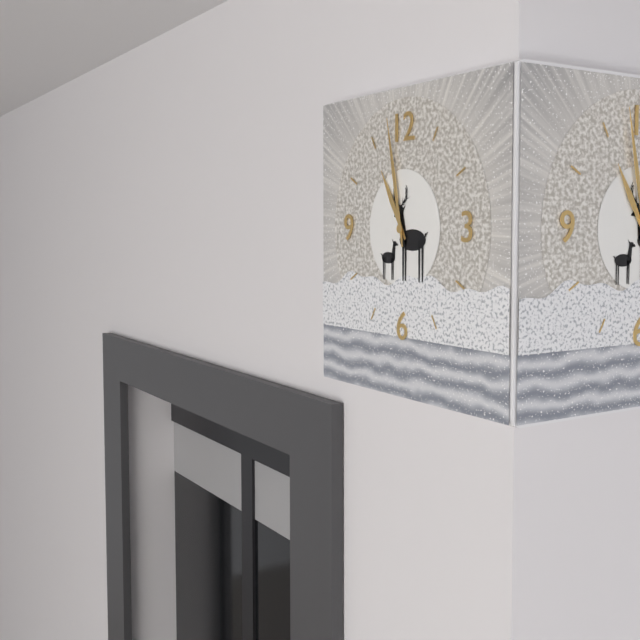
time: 10:58
